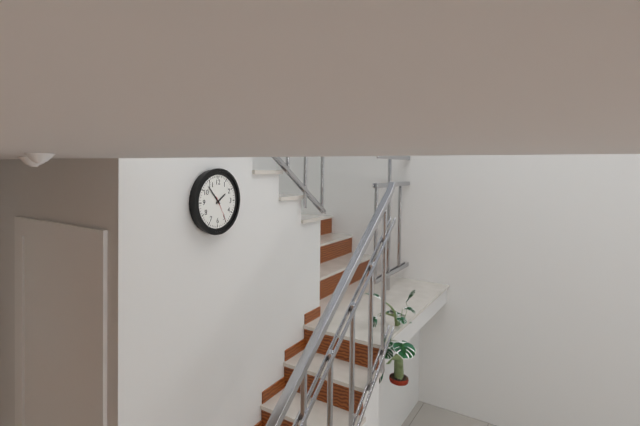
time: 1:53
